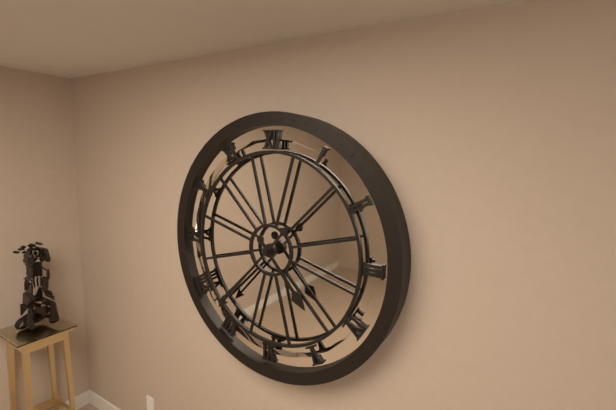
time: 4:37
